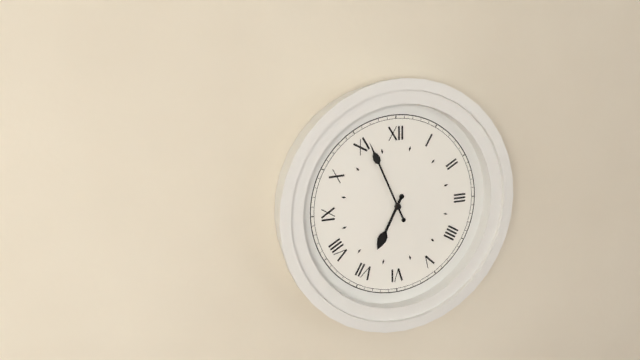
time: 6:56
